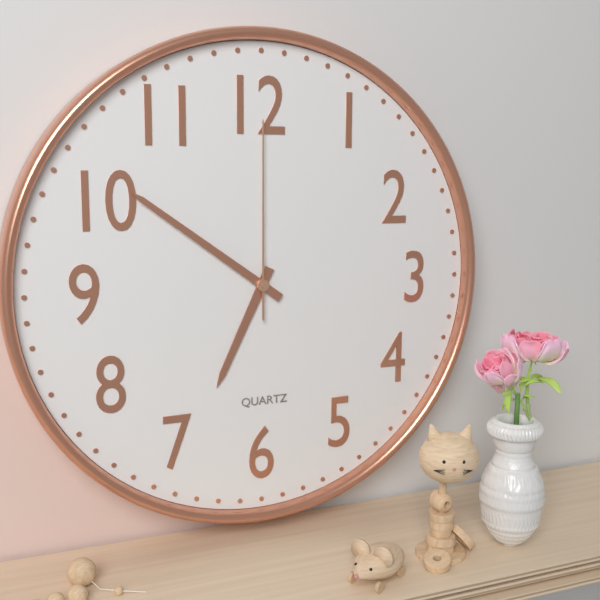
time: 6:51:00
